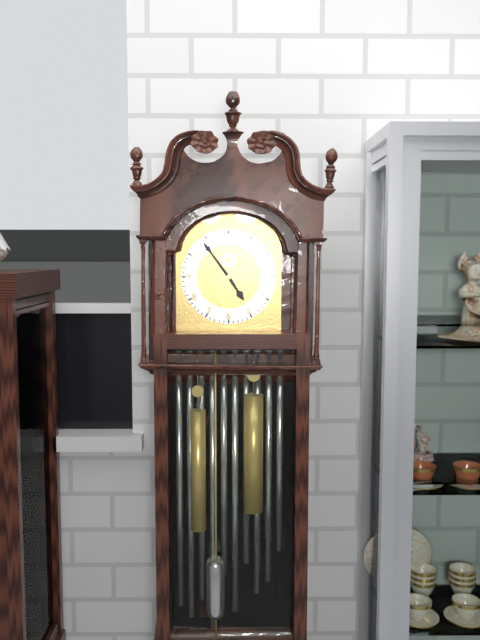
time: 4:54
